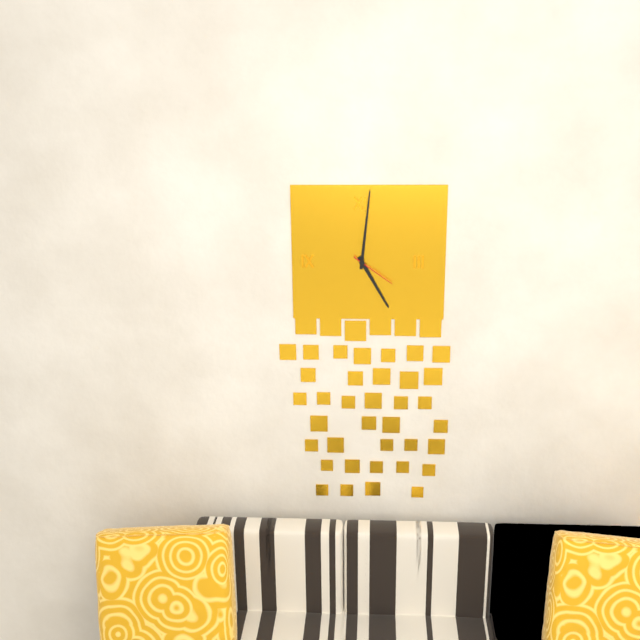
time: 5:01
